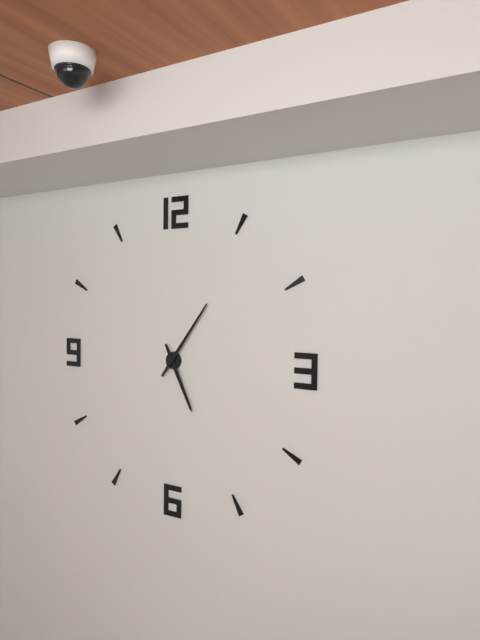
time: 5:06
